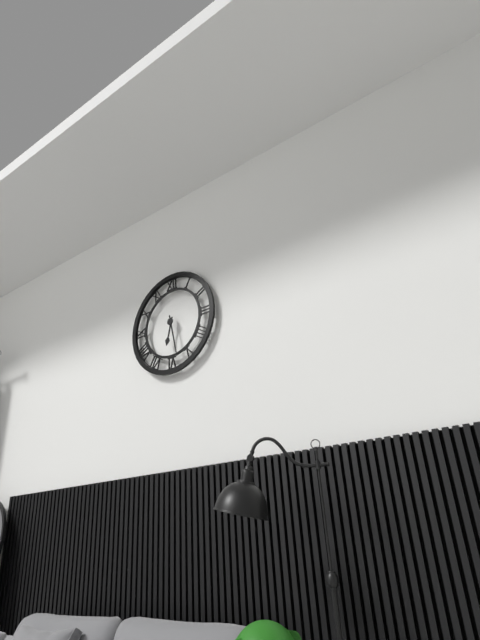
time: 6:28
